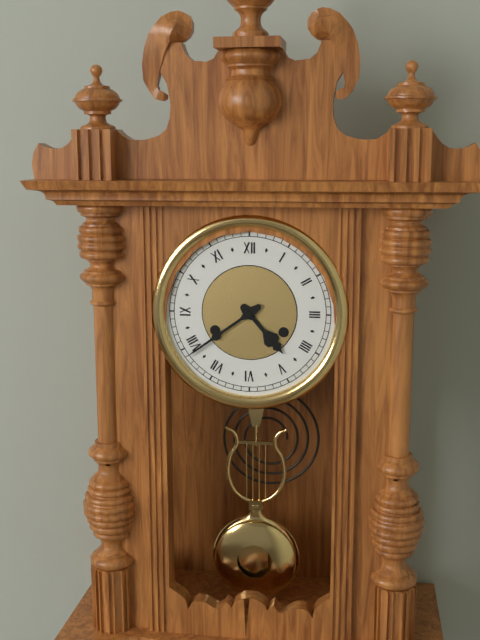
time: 4:39
